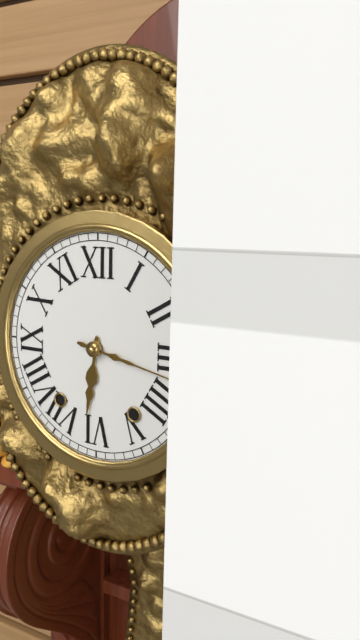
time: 6:17
